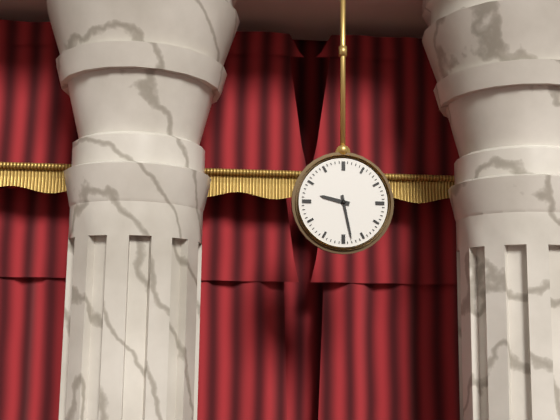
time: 9:28
